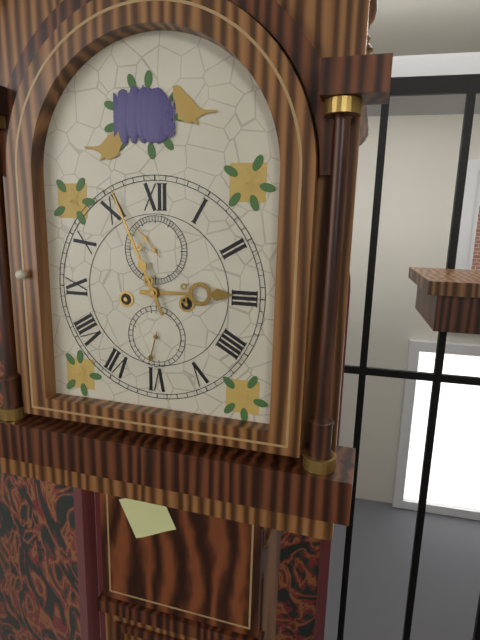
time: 2:56
